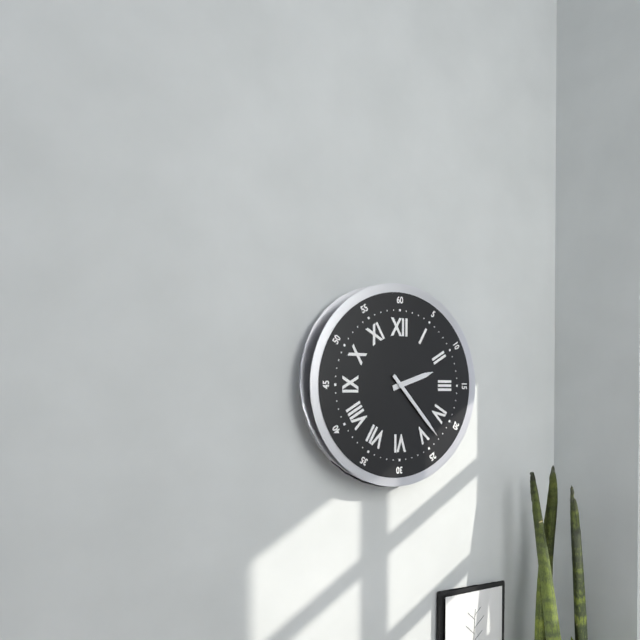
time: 2:23
